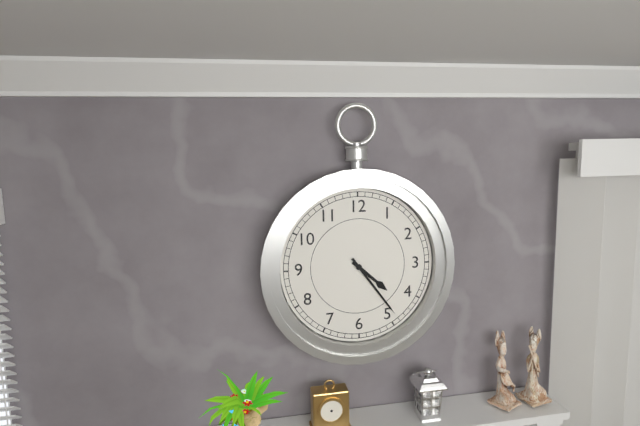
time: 4:24
